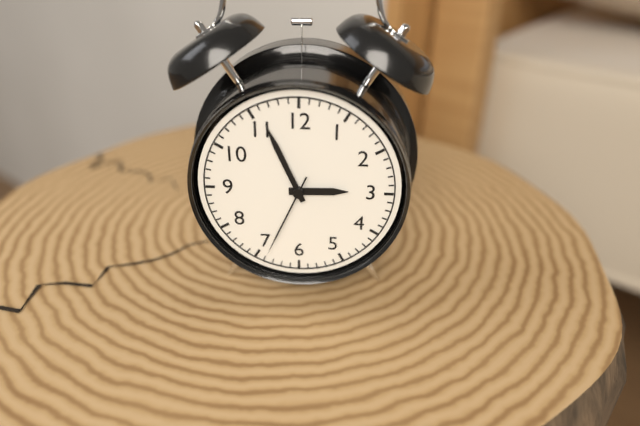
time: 2:56:34
